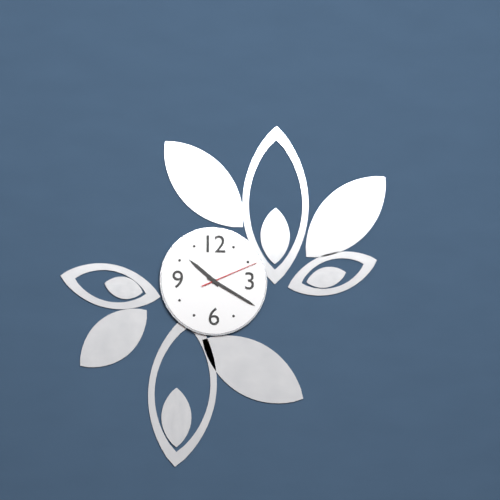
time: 10:20:11
